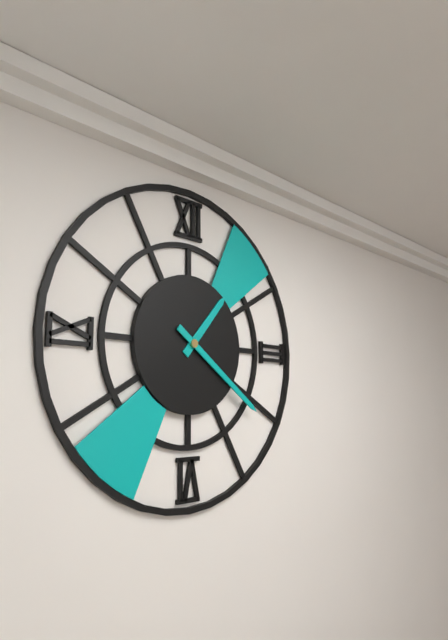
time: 1:21
